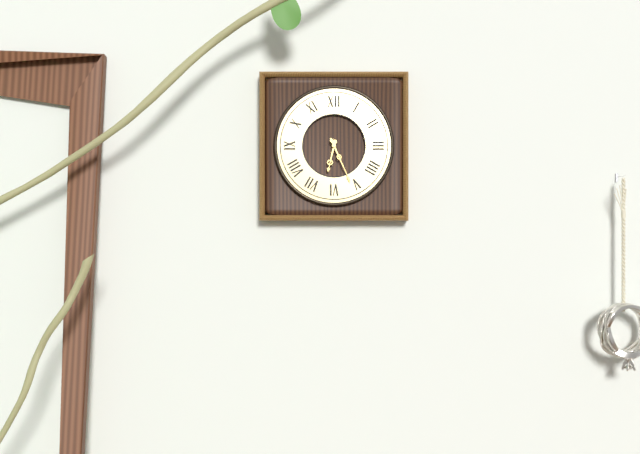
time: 6:26
